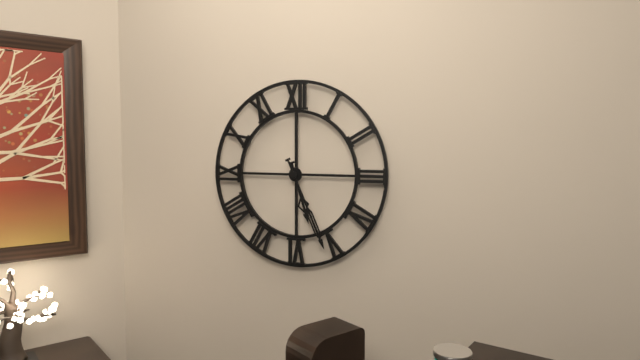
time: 5:26
